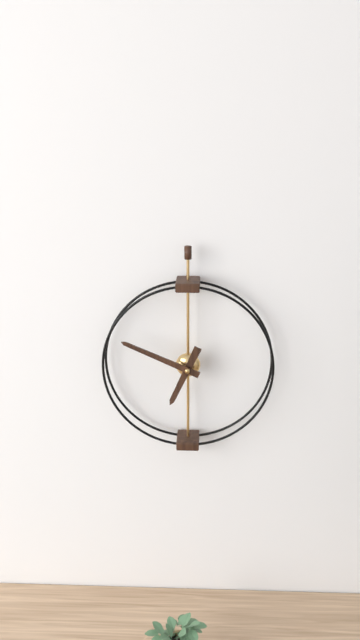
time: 6:49
